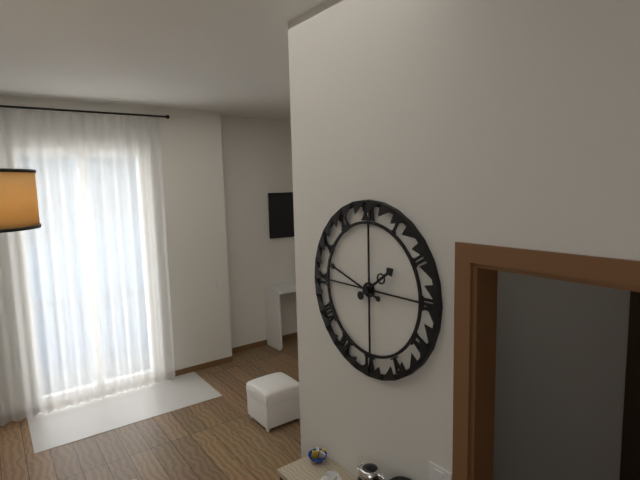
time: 1:48
